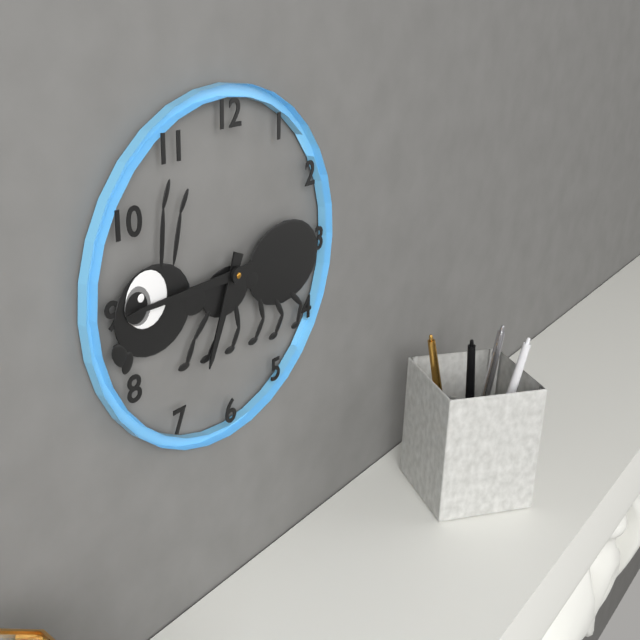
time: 6:45
